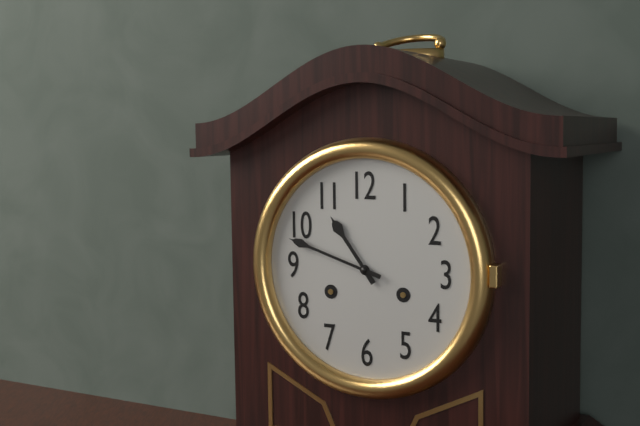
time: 10:48
